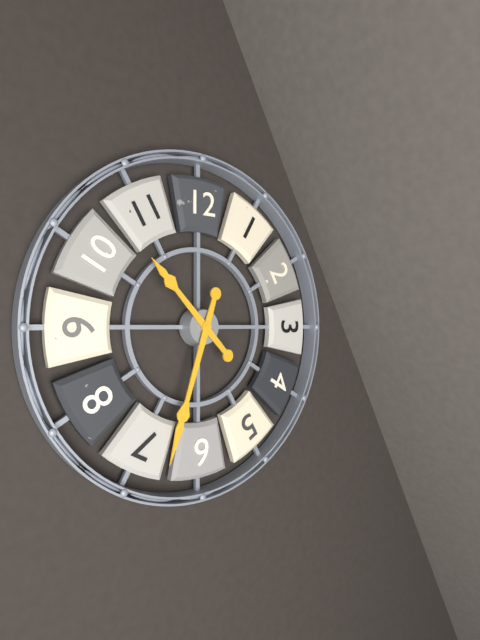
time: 10:33
